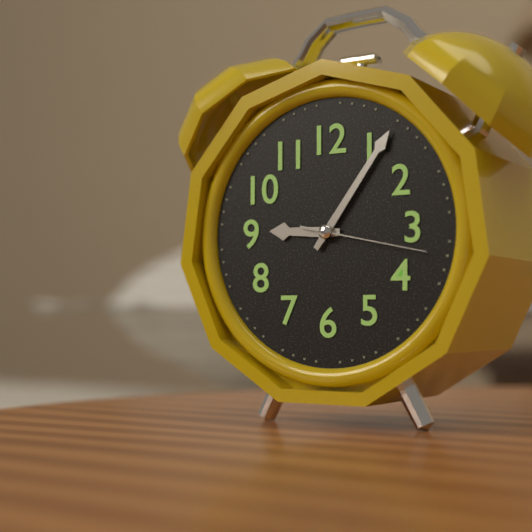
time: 9:06:17
